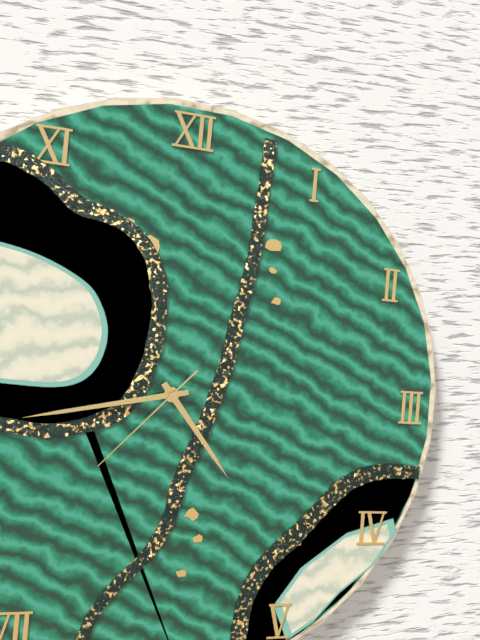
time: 4:43:37
